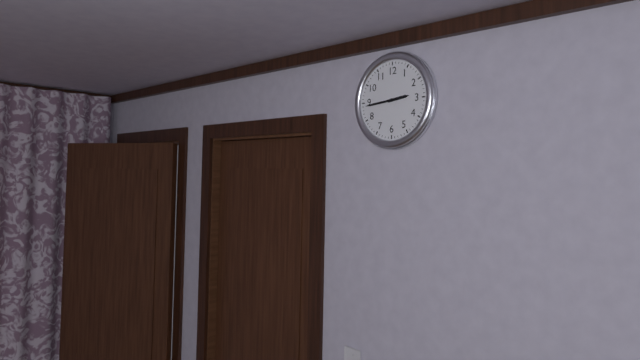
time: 2:44
